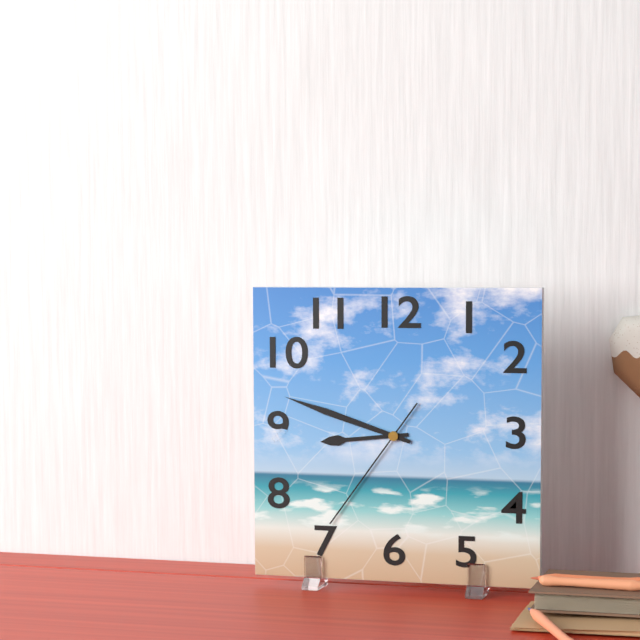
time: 8:48:36
